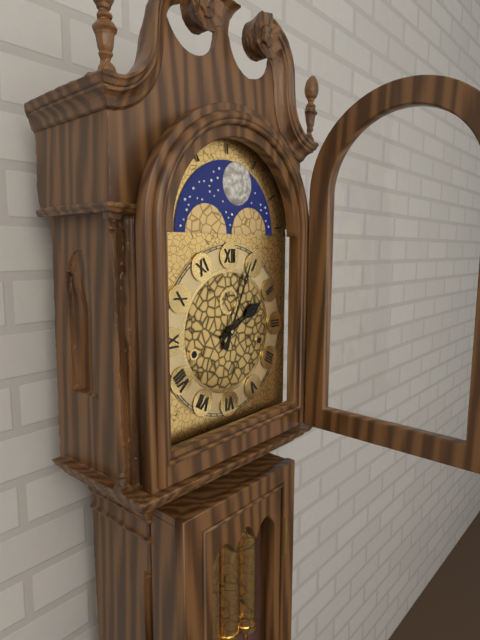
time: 2:04
